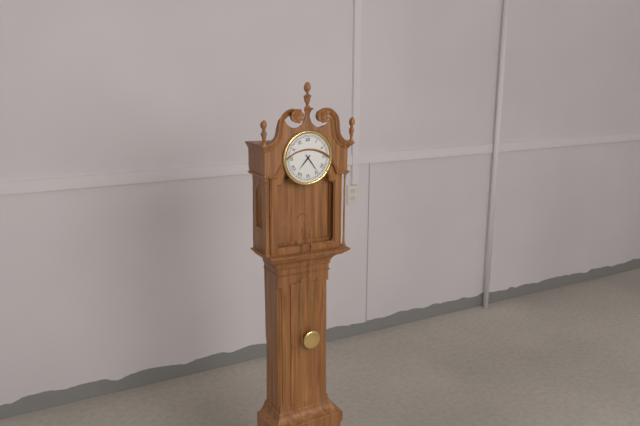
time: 7:24
